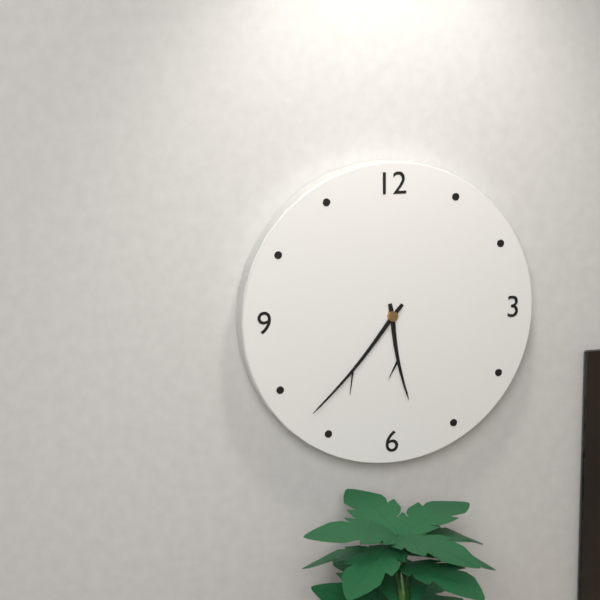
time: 5:37
